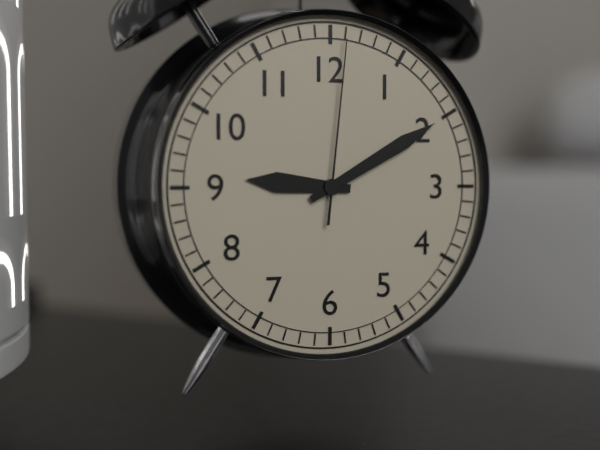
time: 9:10:01
